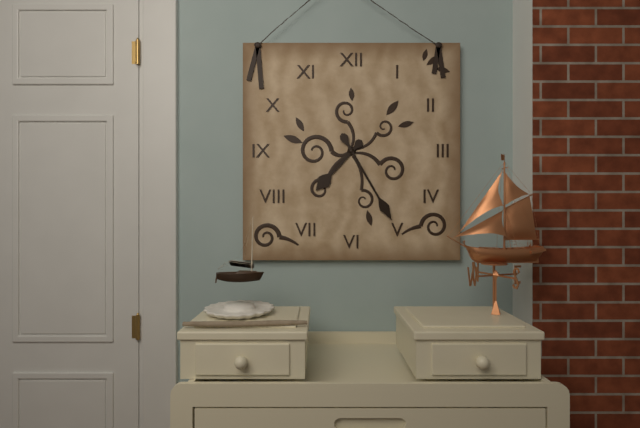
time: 7:25
